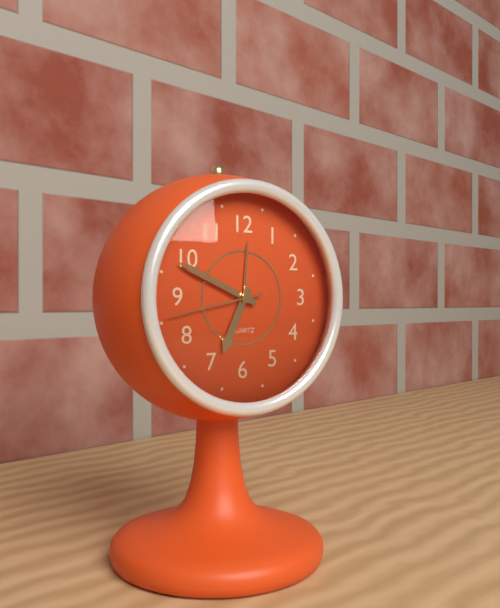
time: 6:49:43
